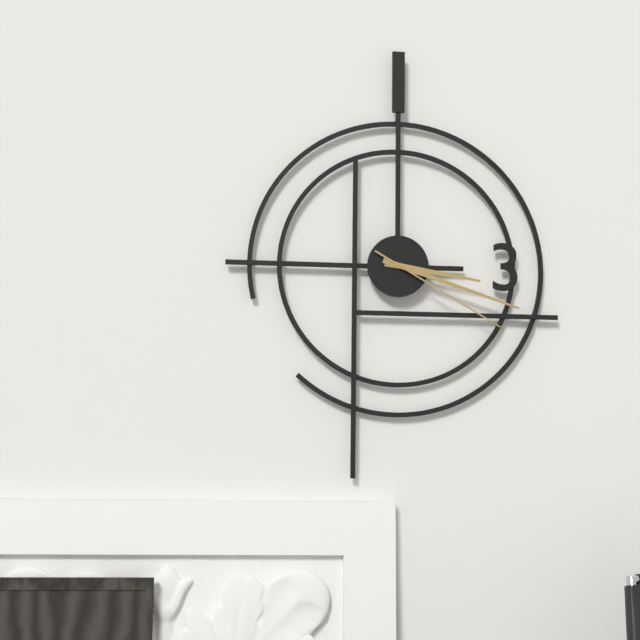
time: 3:18:20
